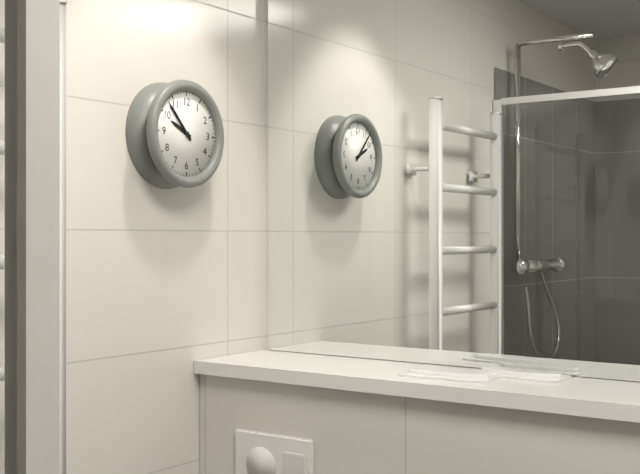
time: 9:53
